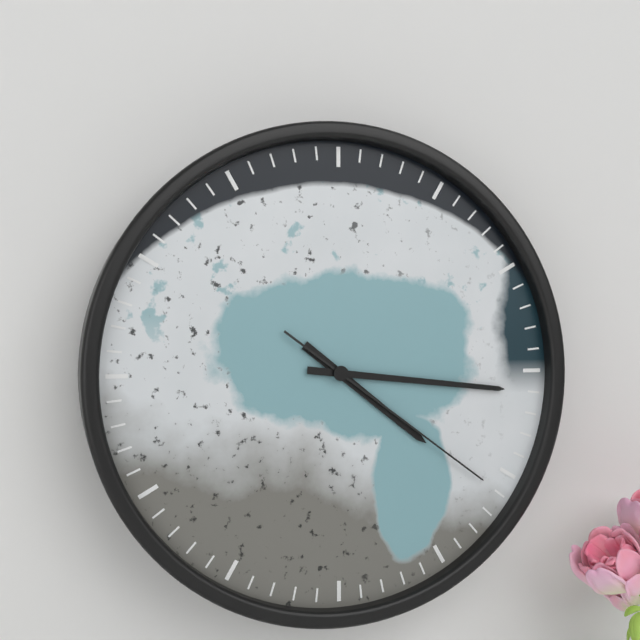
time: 4:16:21
